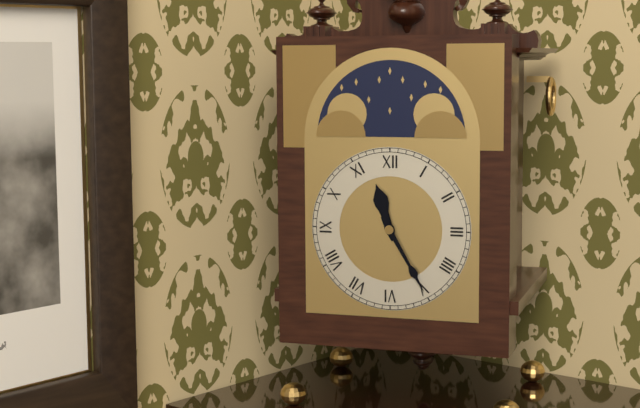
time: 11:25
